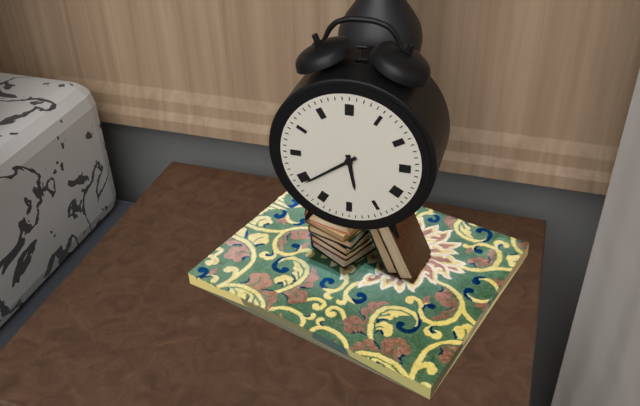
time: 5:39
